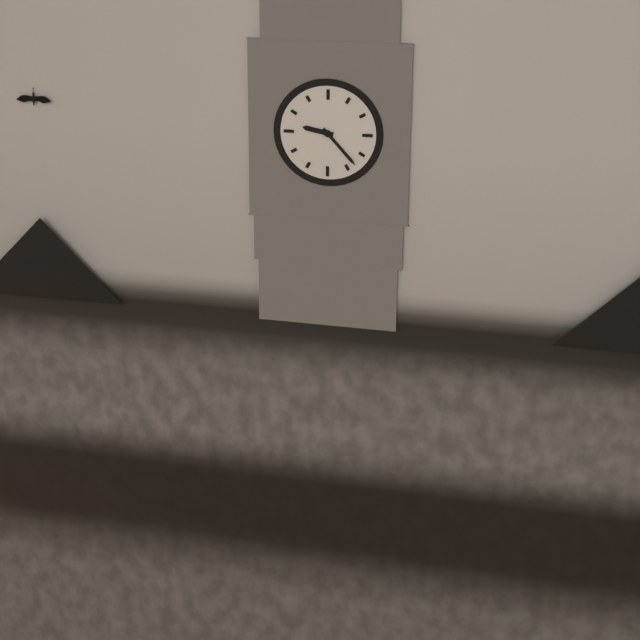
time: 9:23
